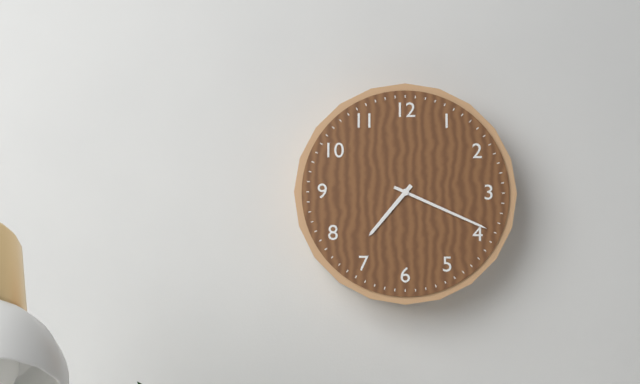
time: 7:19
